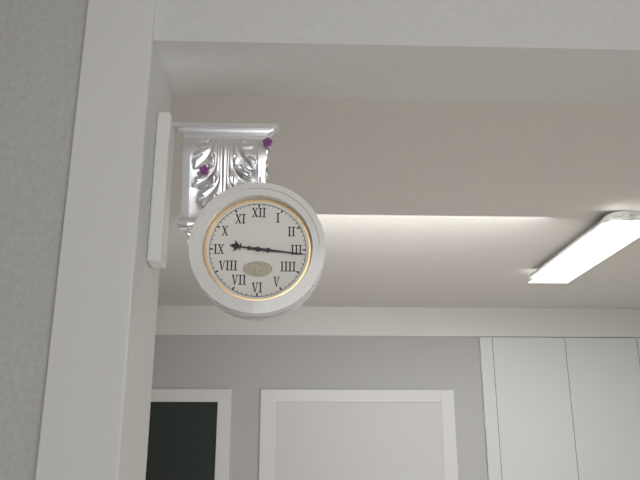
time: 9:16
